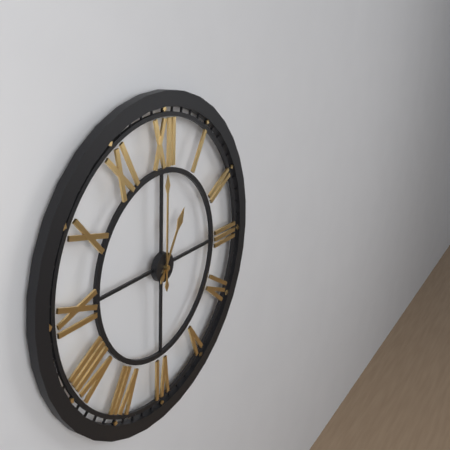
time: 1:00
